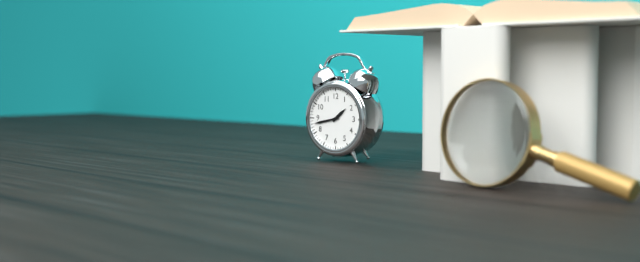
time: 1:43
